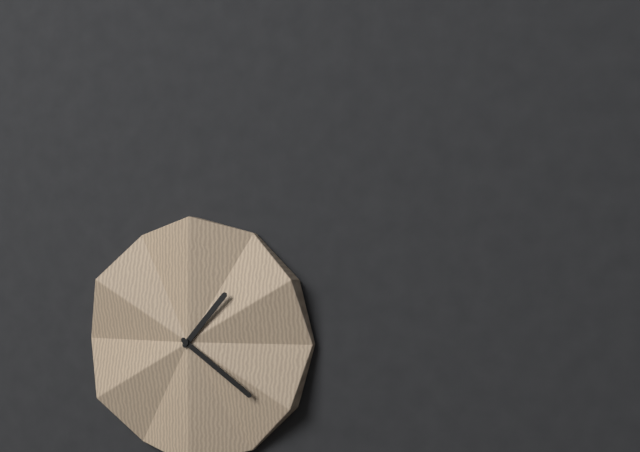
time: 1:21
